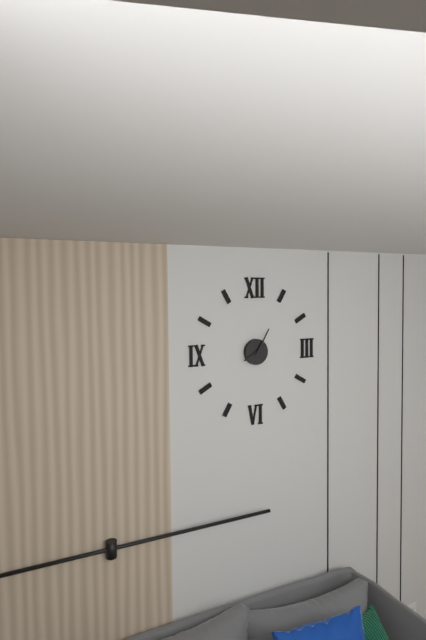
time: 8:05
